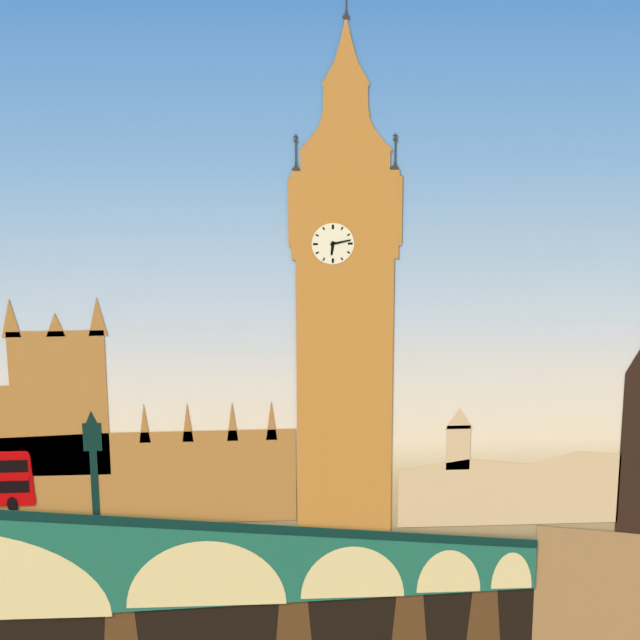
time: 6:13
